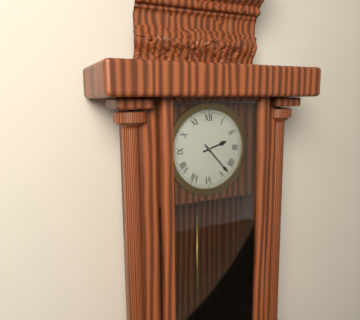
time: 2:23
